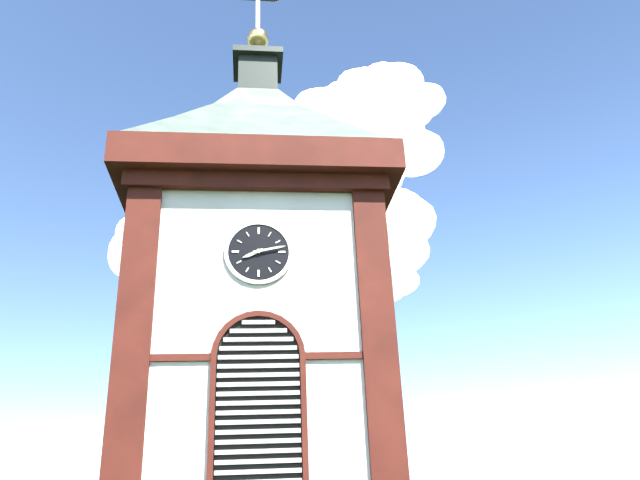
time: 8:13
